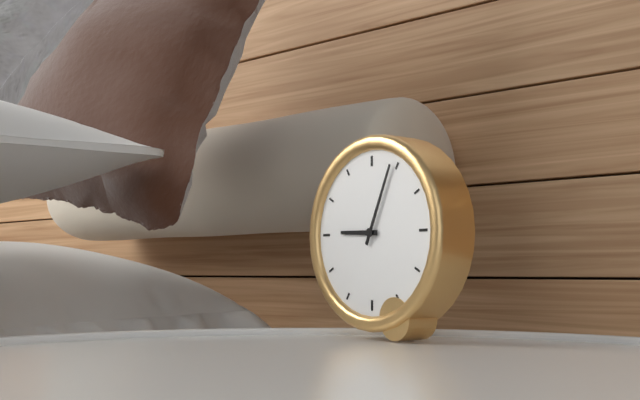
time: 9:04
